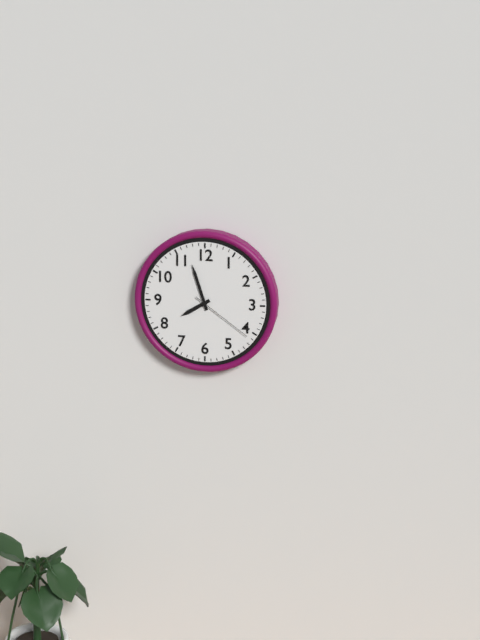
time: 7:57:21
